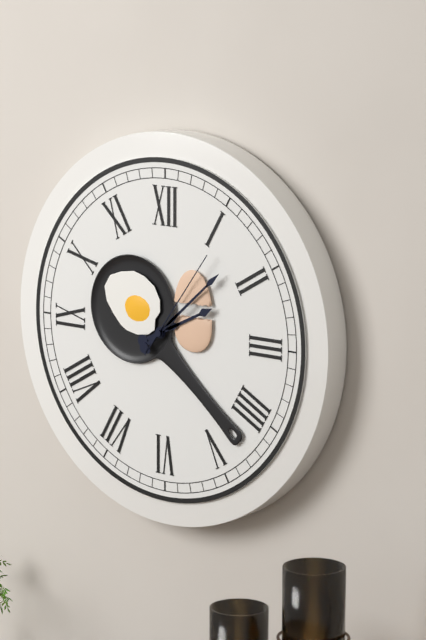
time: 2:08:06
